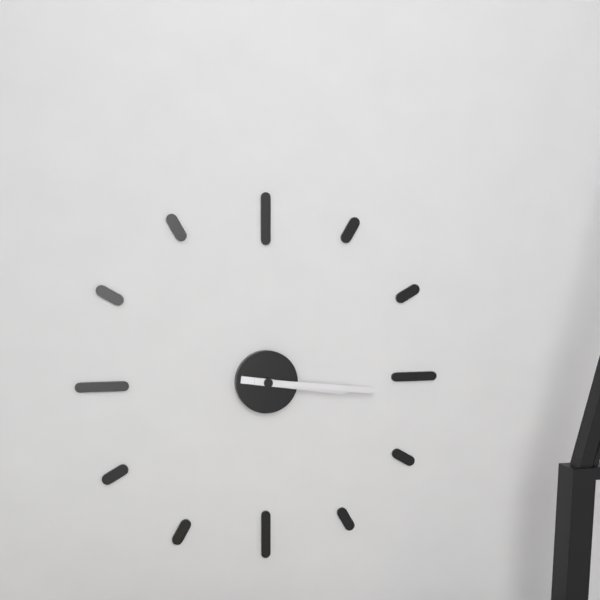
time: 3:16
